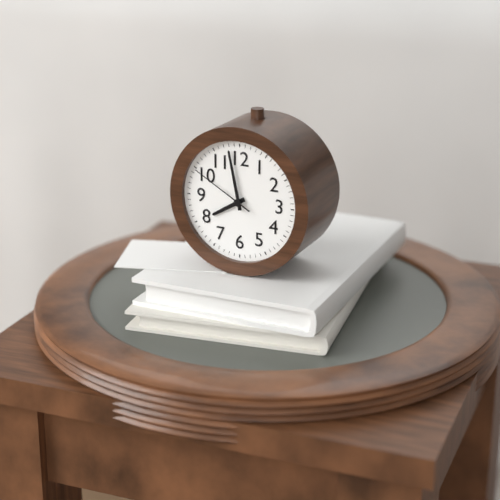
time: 7:58:50
